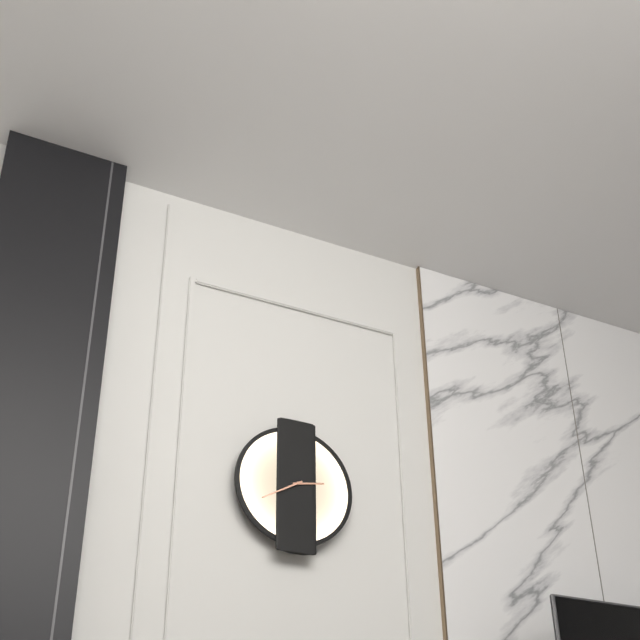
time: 2:40
